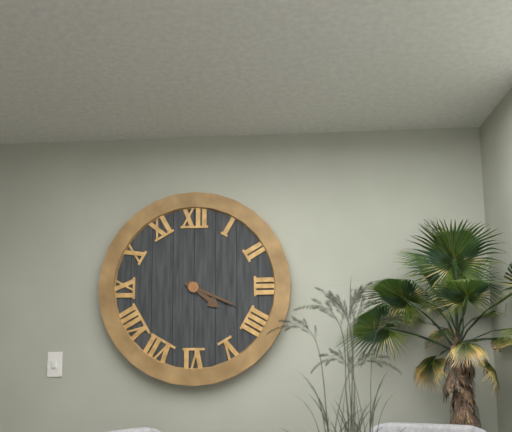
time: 4:19
